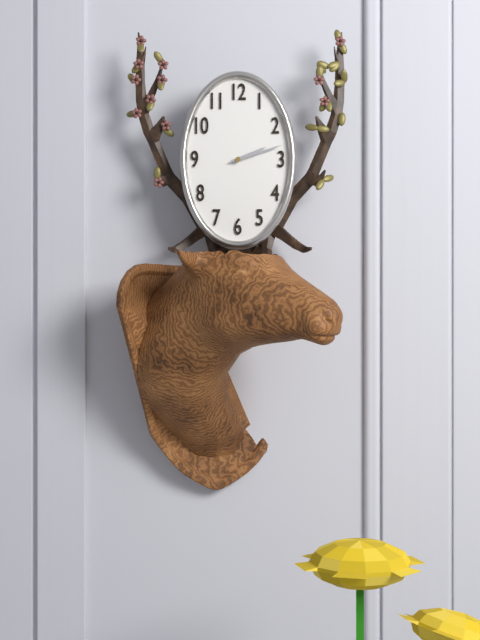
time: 2:12
